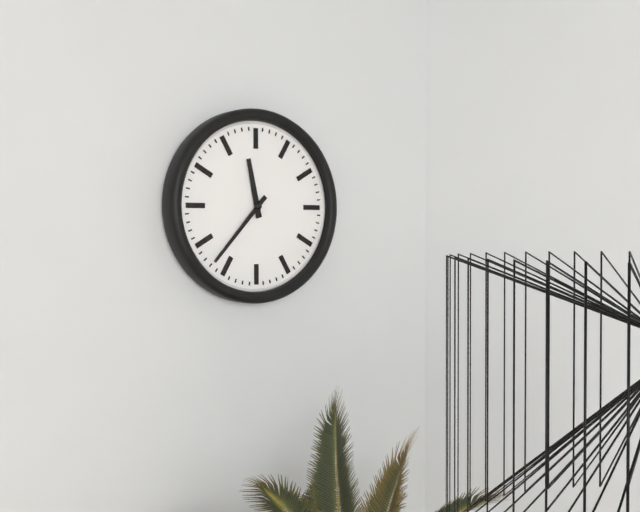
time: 11:37
